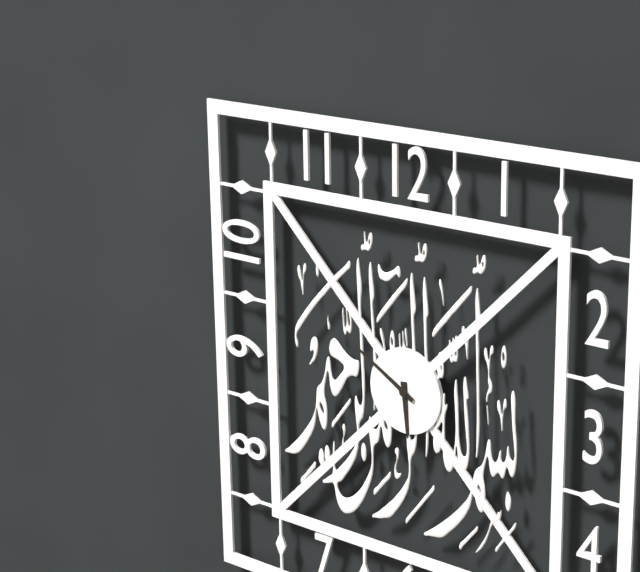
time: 5:50
